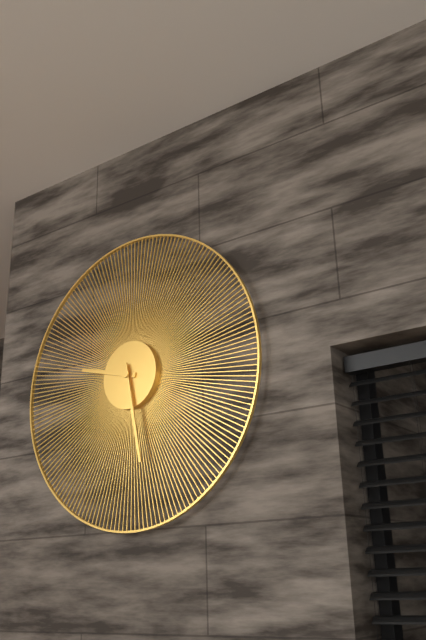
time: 9:28
